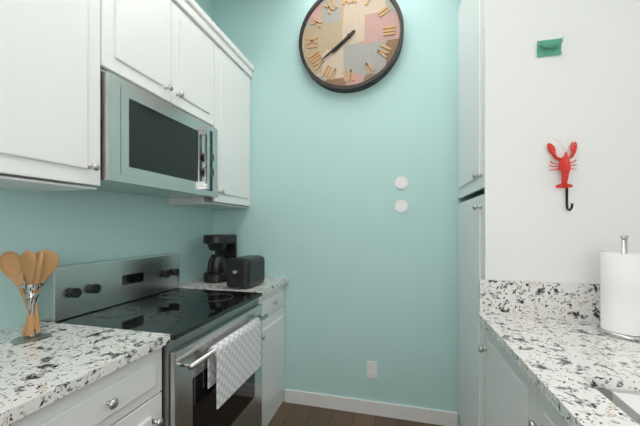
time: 7:39
